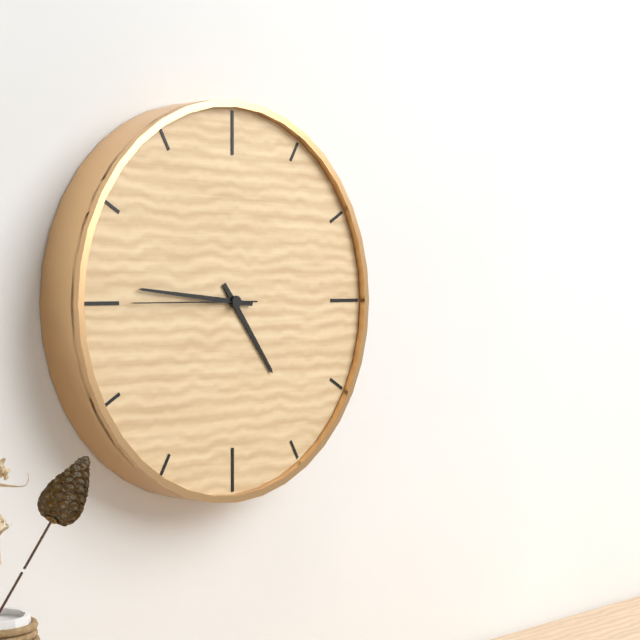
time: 4:46:45
